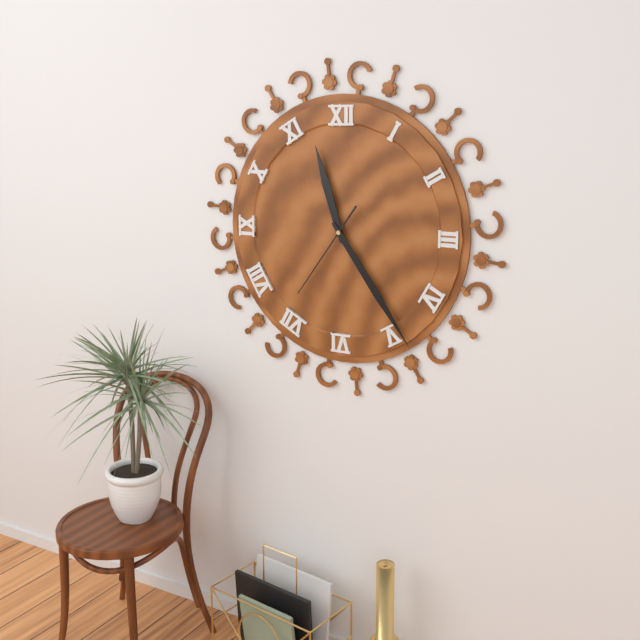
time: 11:24:36
